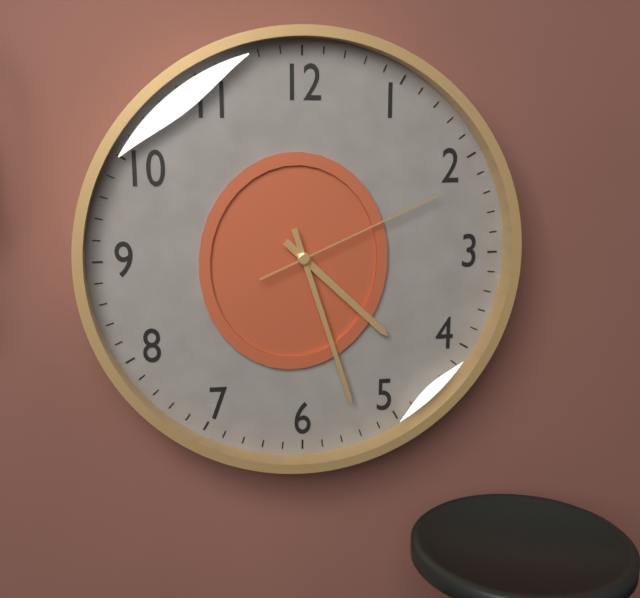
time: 4:27:11
